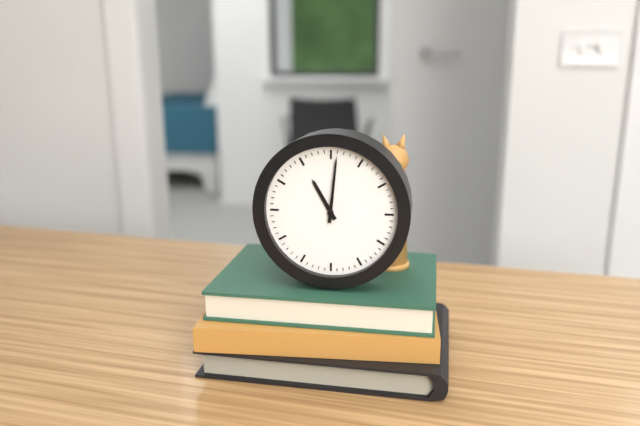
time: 11:01
